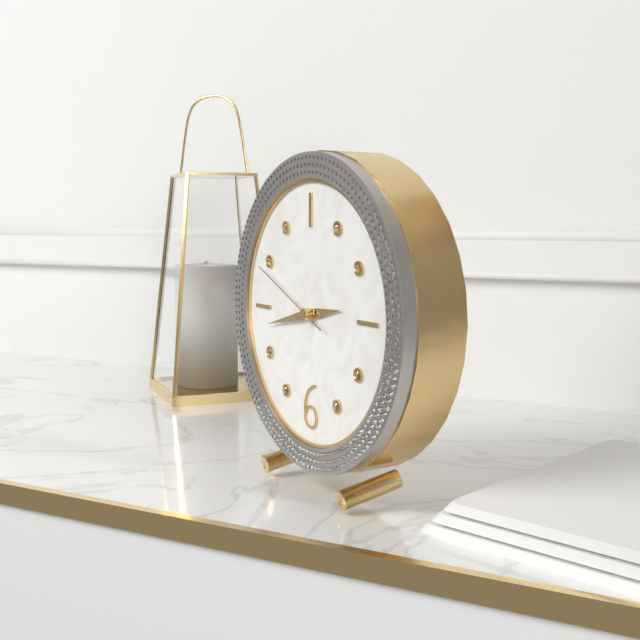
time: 2:43:49
